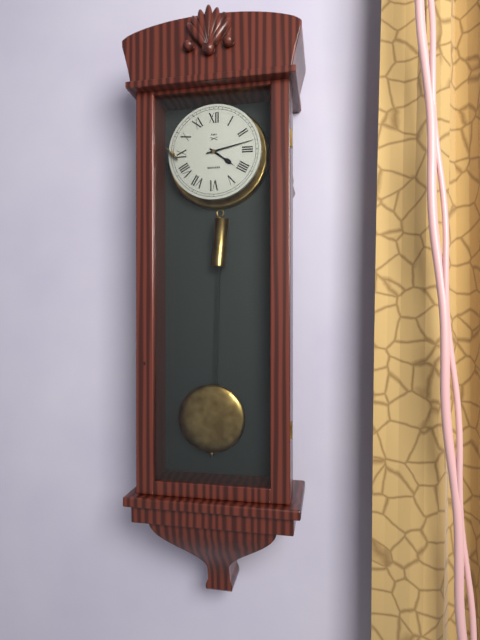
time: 4:13
